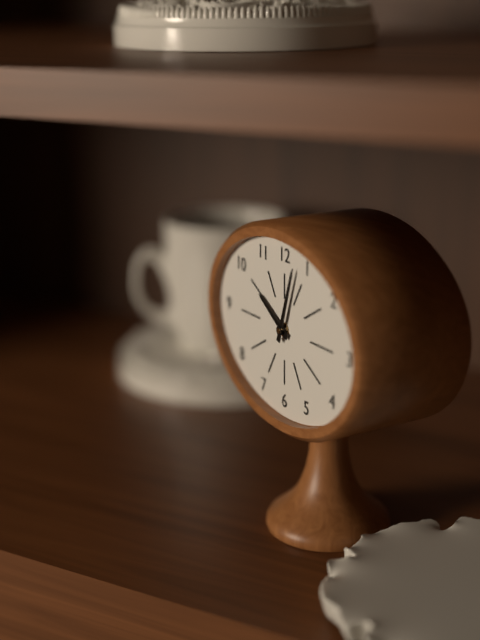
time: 10:03
